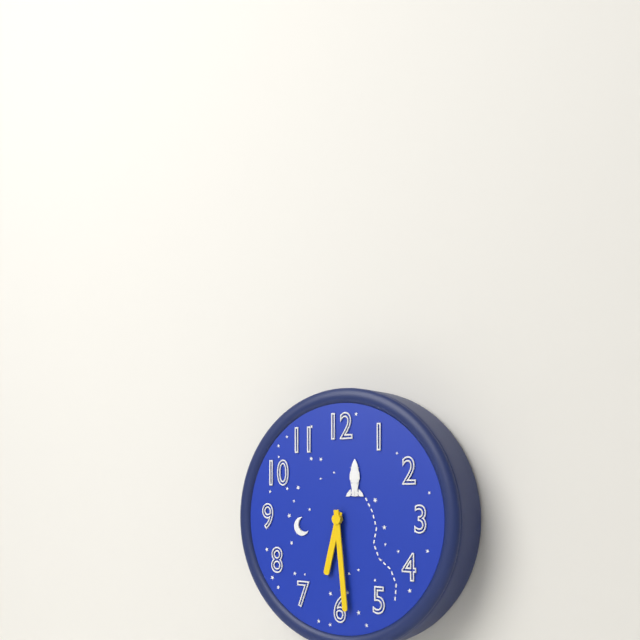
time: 6:29
